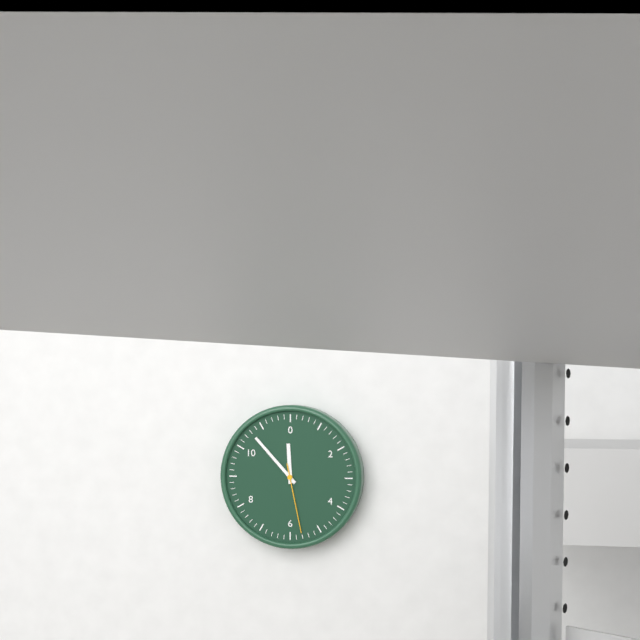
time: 11:53:28
